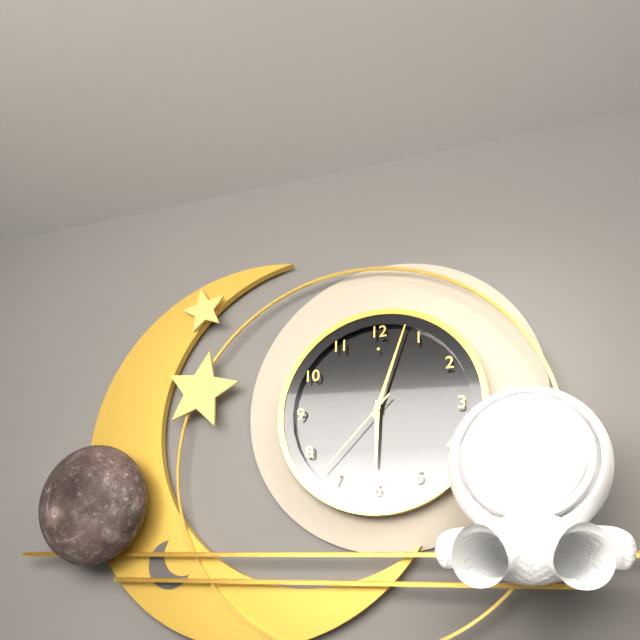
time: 6:03:37
